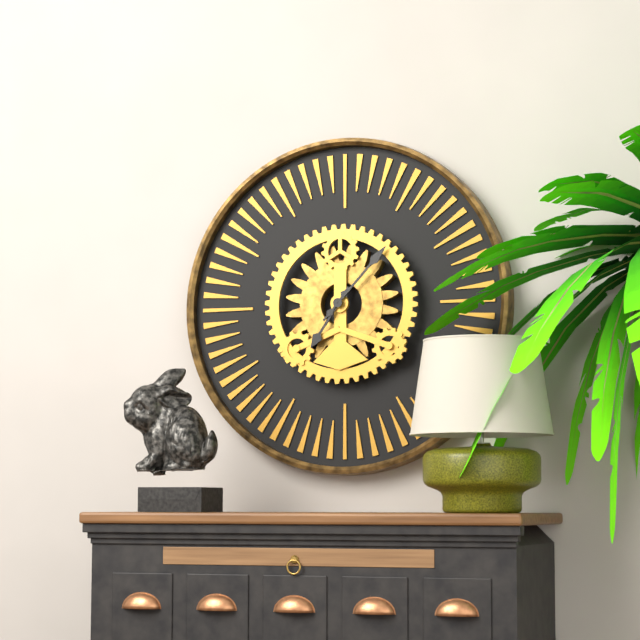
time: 7:07
